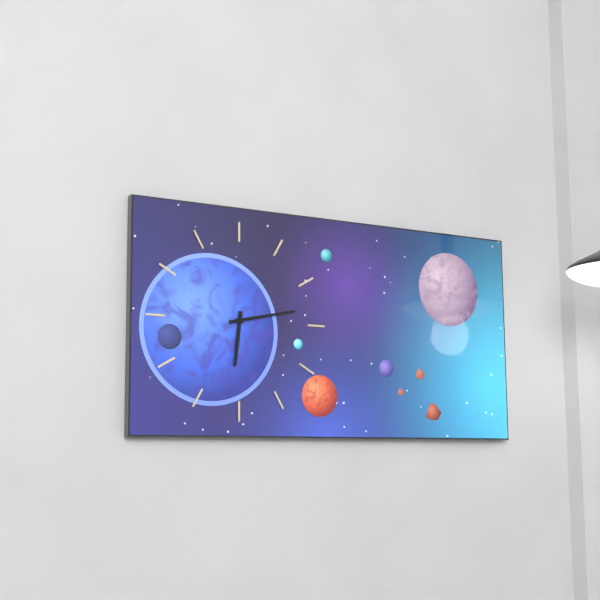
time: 6:13
